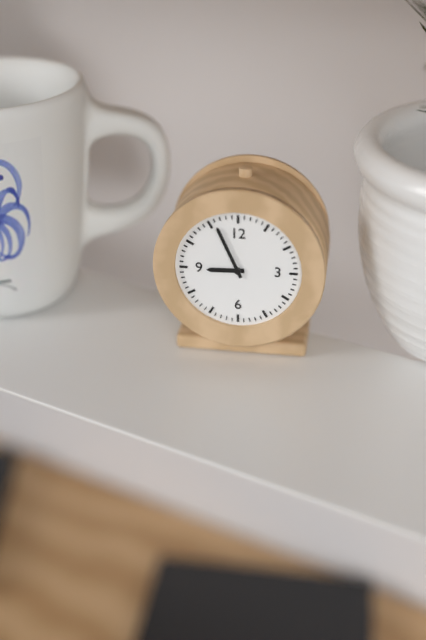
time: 8:56
